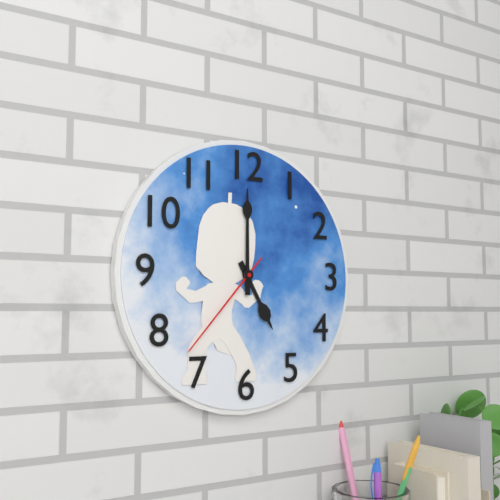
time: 5:00:37
